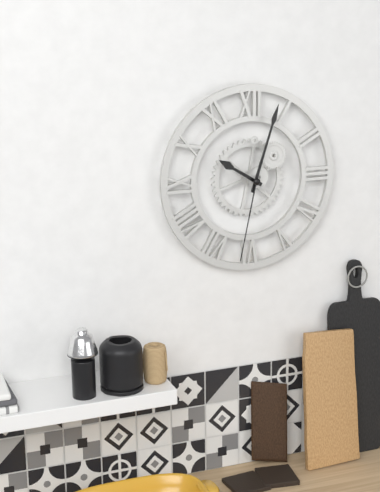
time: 10:03:32
